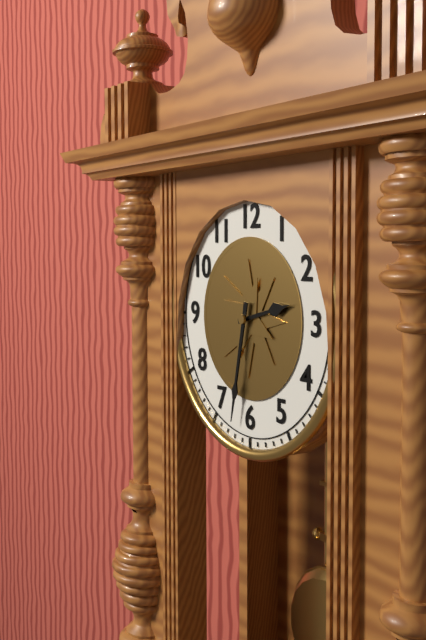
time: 2:32
